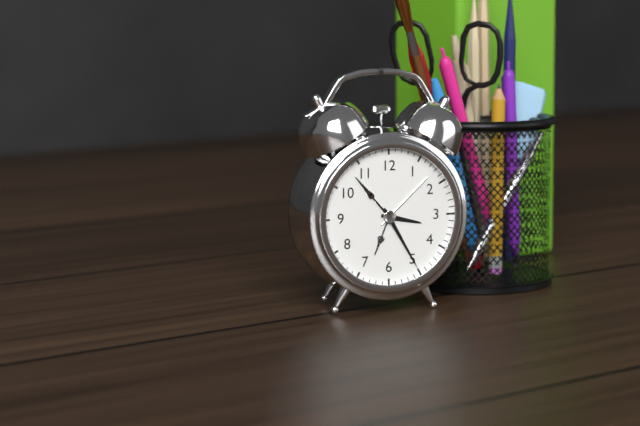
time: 3:25
